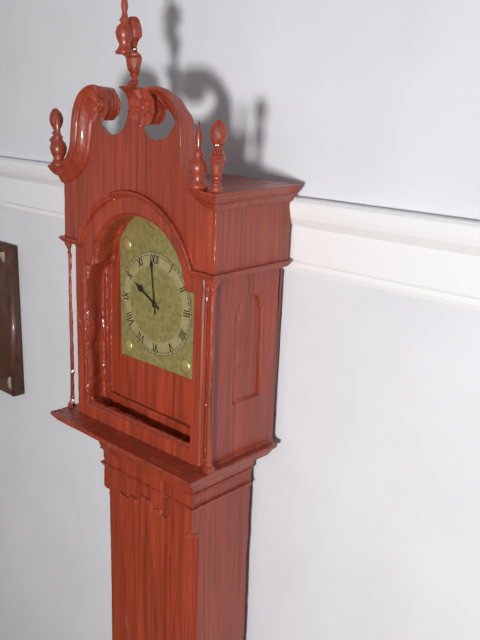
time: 9:59
